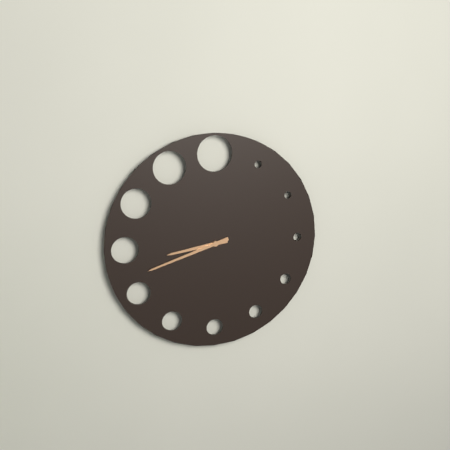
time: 8:42
